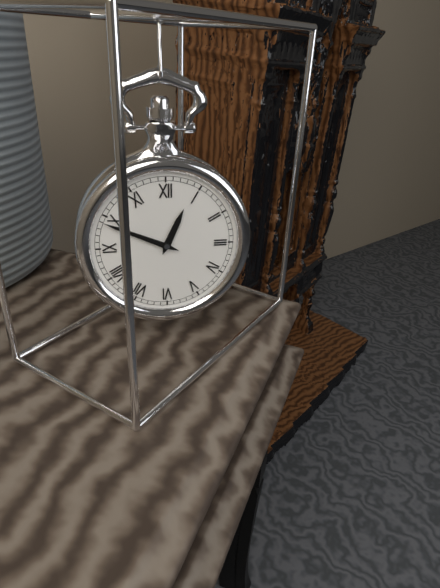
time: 12:49
